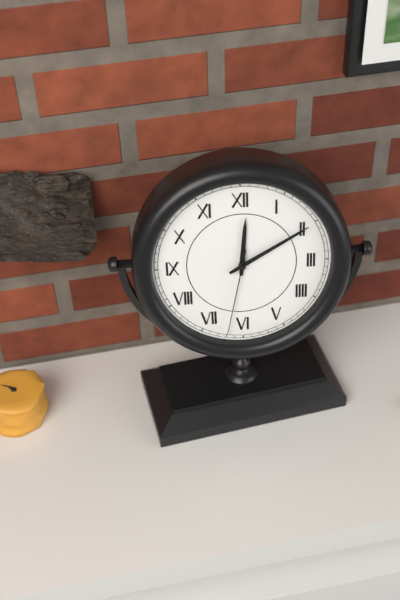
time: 12:10:32
